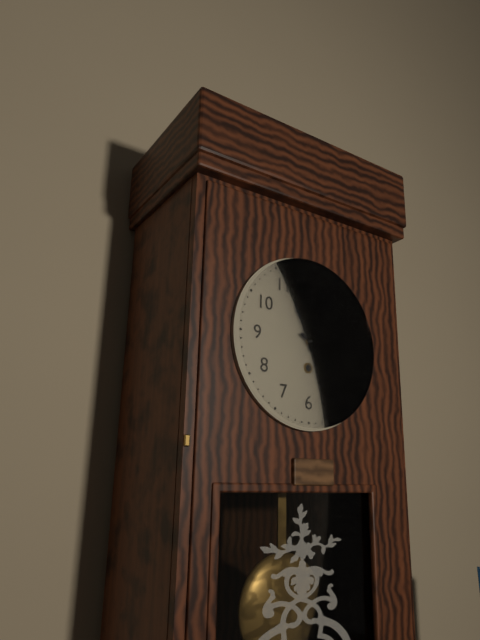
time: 11:20
